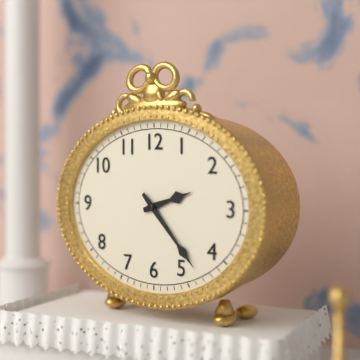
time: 2:23
